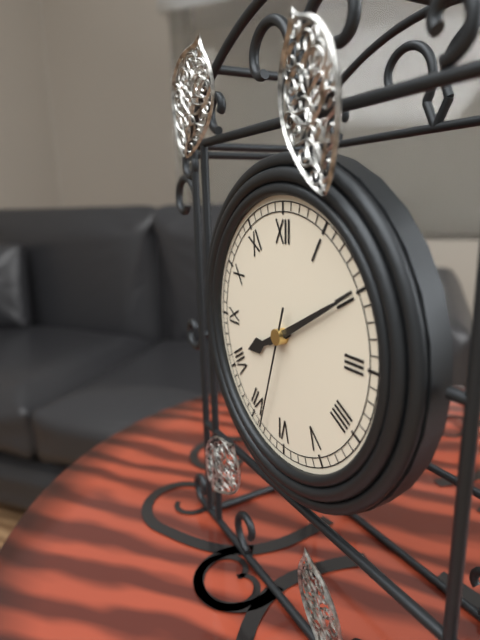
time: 8:10:33
